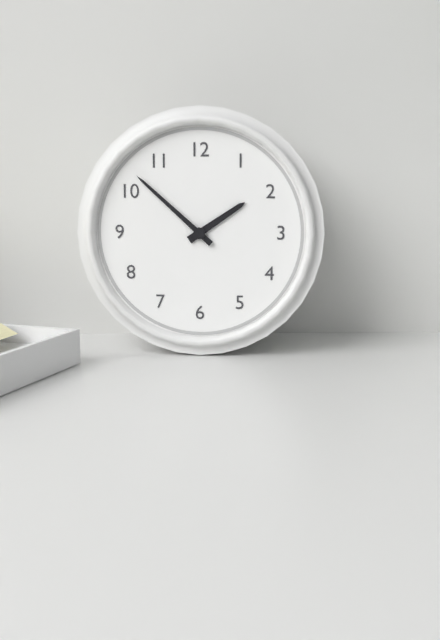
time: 1:52
